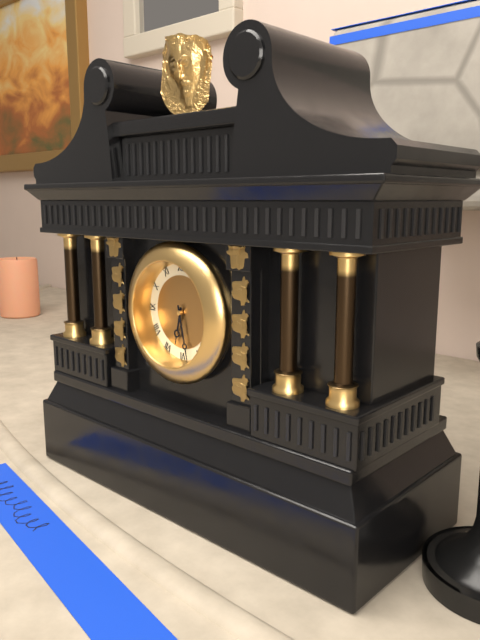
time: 6:28
